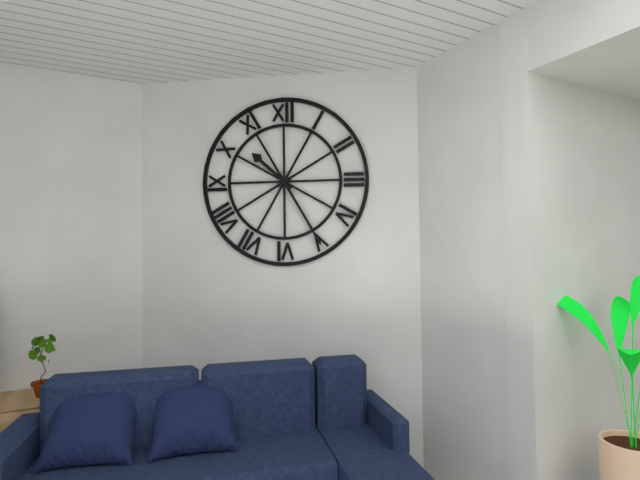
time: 10:25
